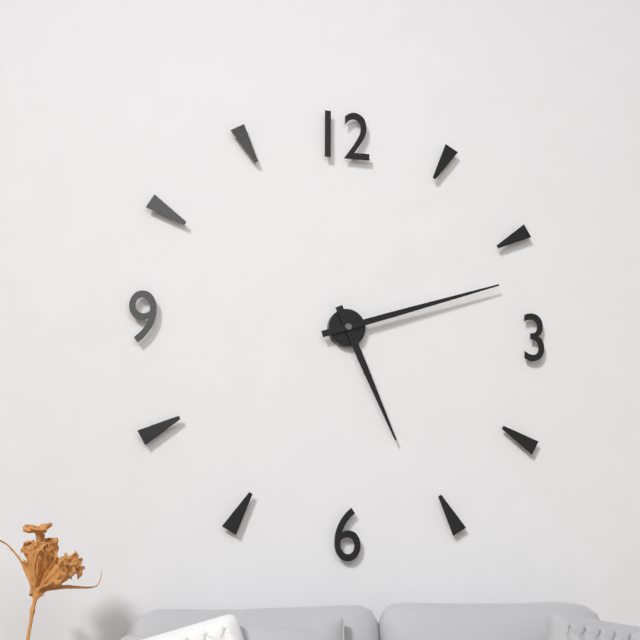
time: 5:12
